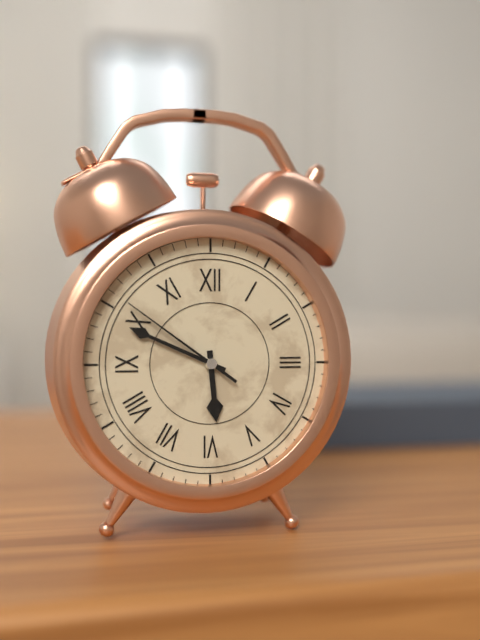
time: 5:49:51
